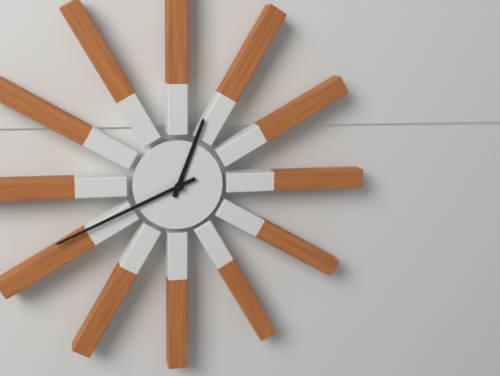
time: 12:41
